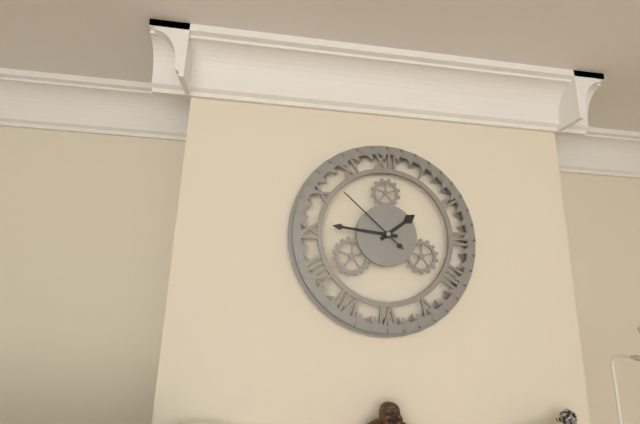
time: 1:46:52
